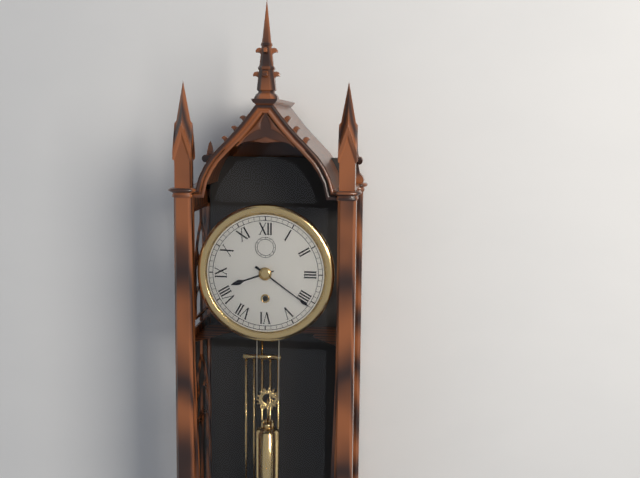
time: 8:21
